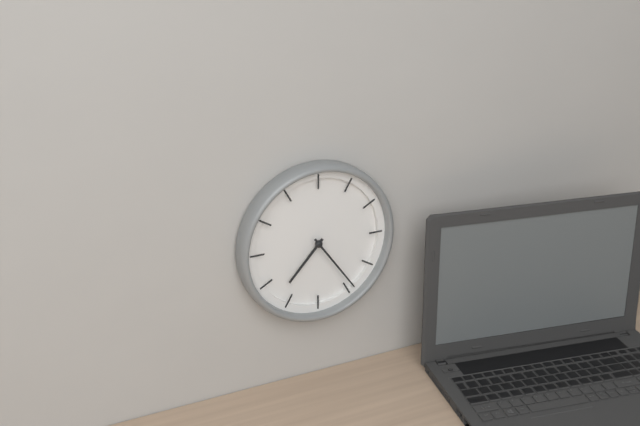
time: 7:24
